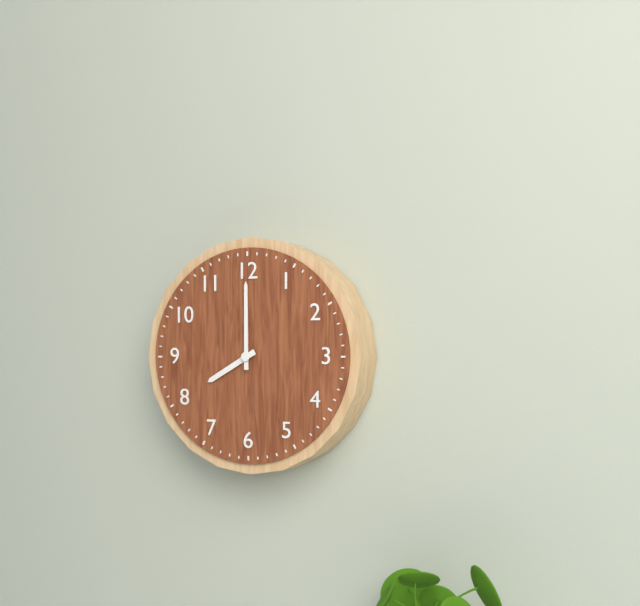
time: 8:00
